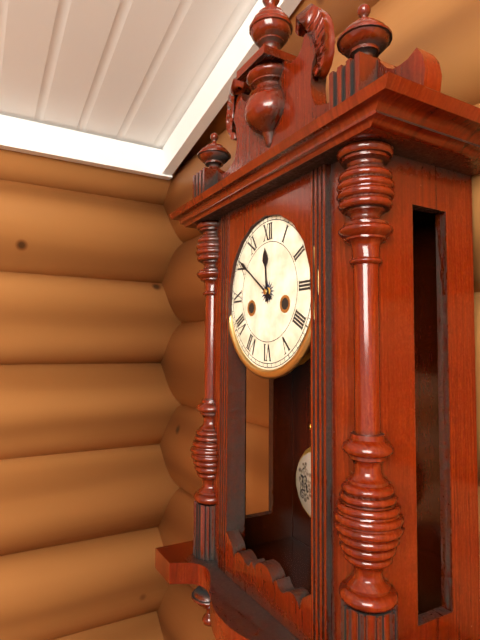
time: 11:51
